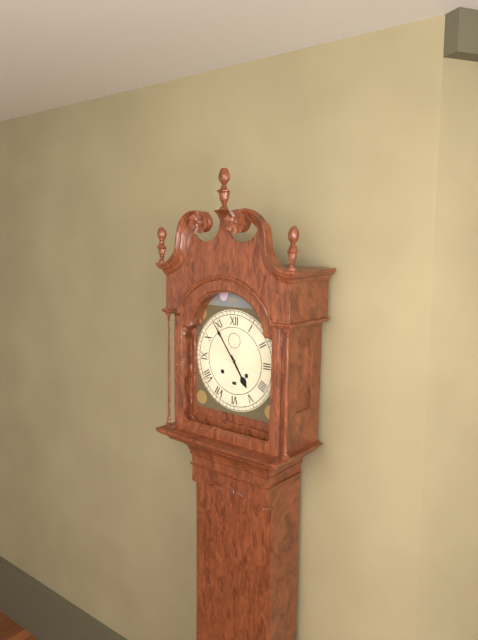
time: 4:54
